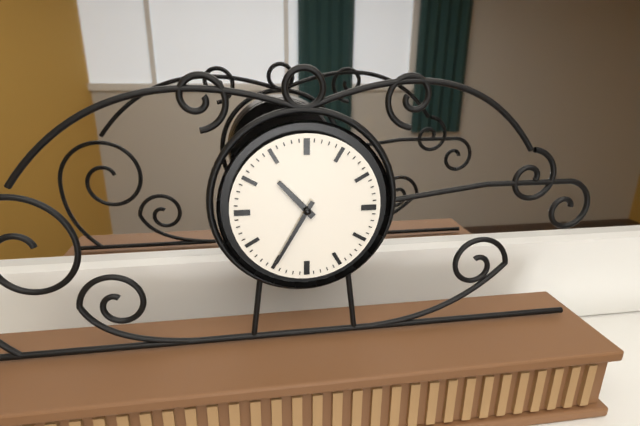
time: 10:35
